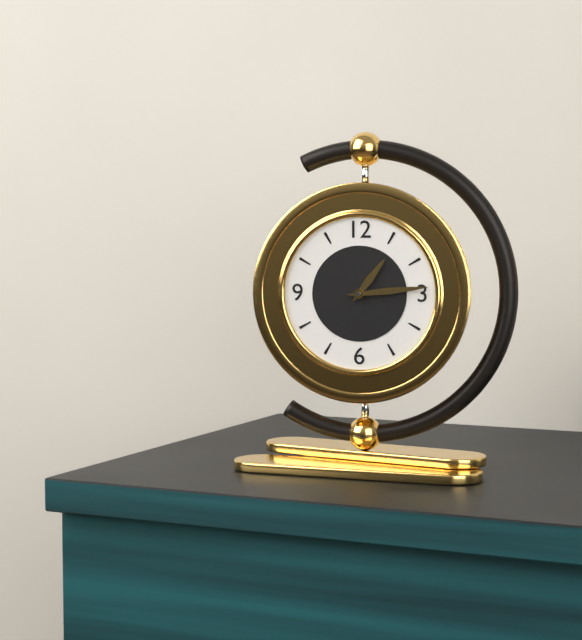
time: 1:14
